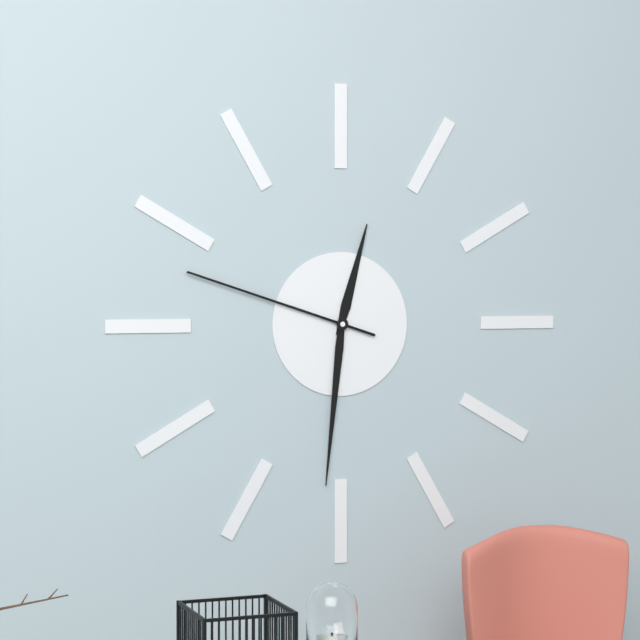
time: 12:31:48
